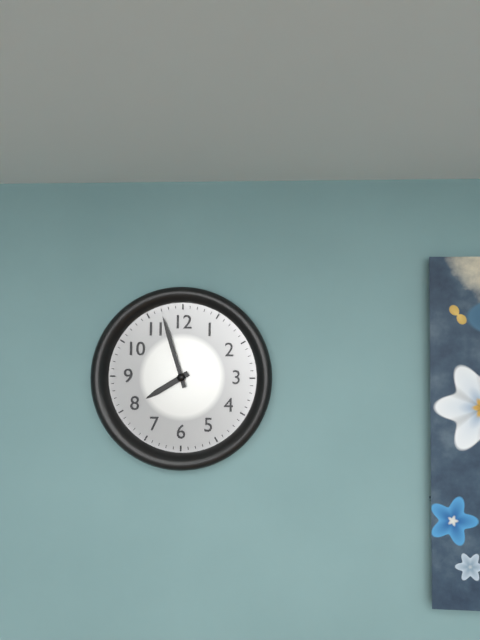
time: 7:57
